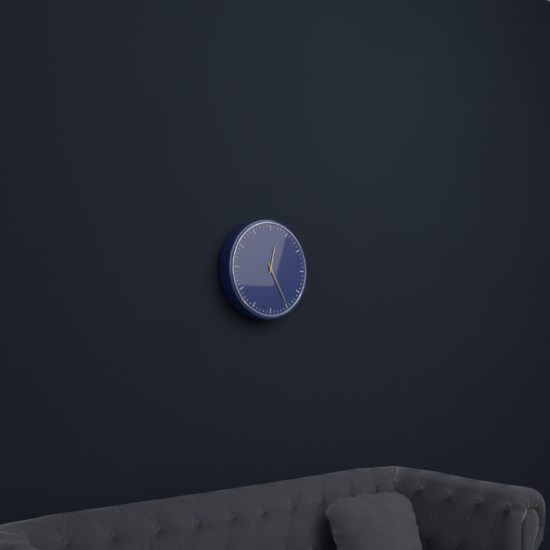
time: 12:25
